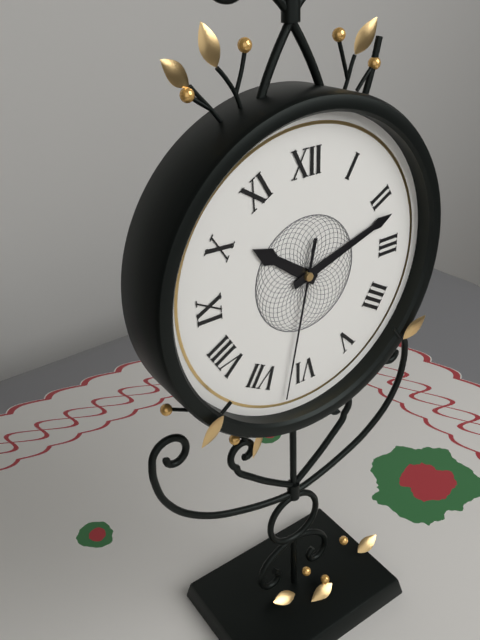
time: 10:12:32
